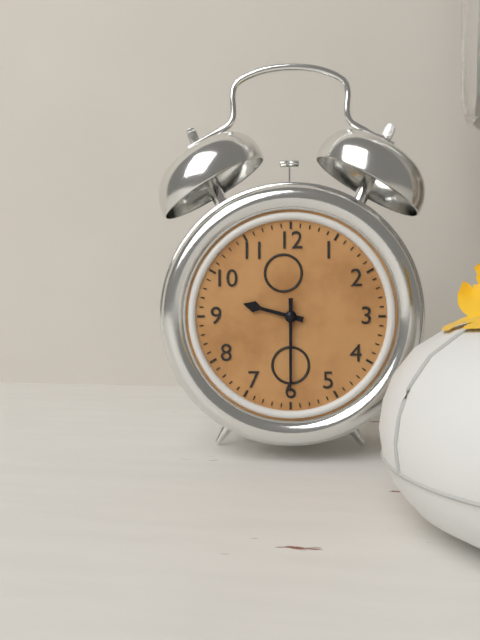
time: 9:30
